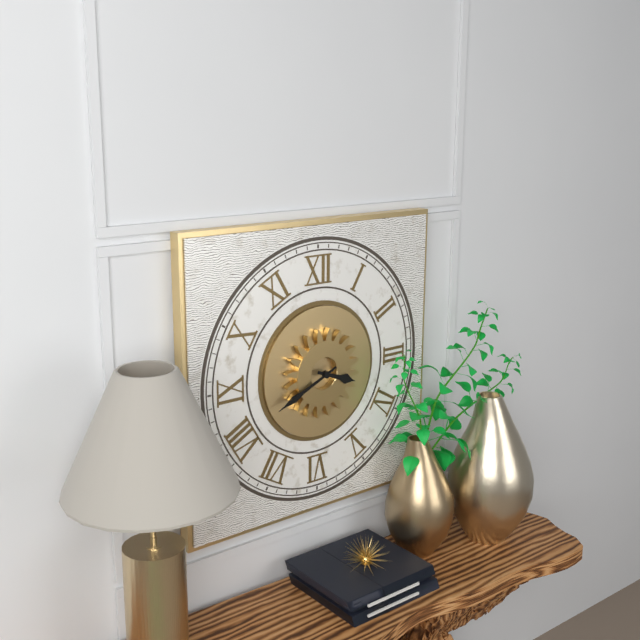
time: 3:41
